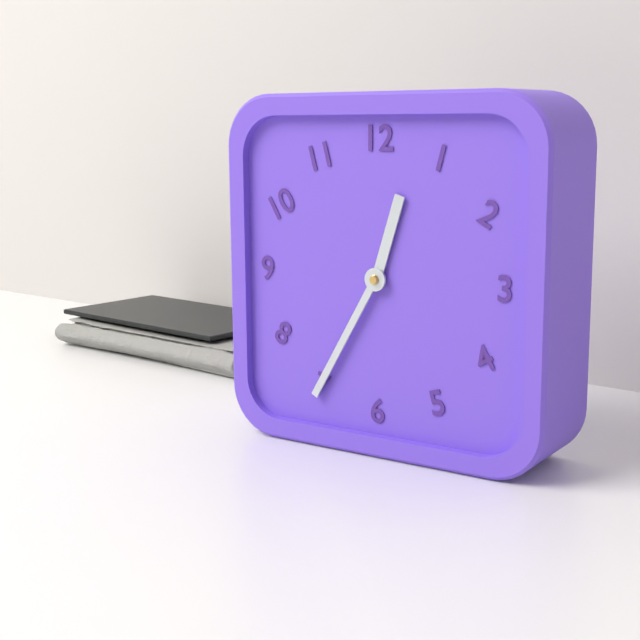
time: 12:35
